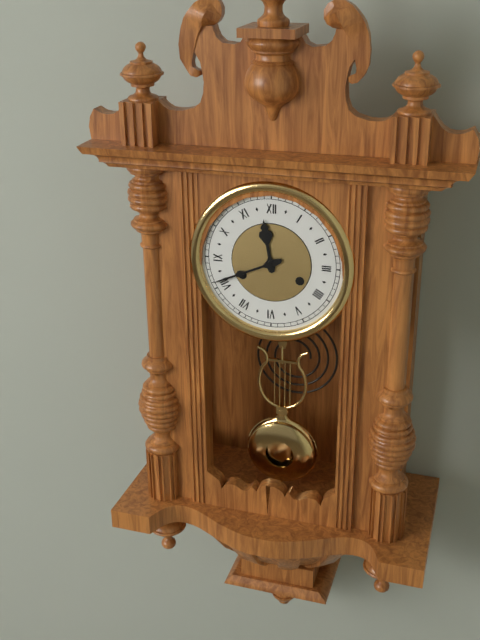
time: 11:41
